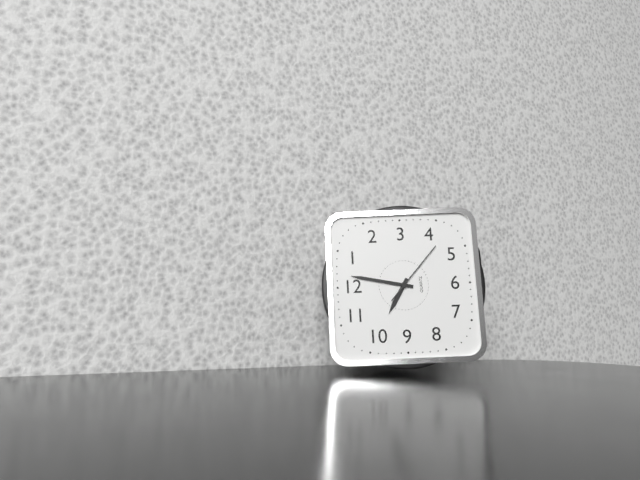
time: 10:02:22
